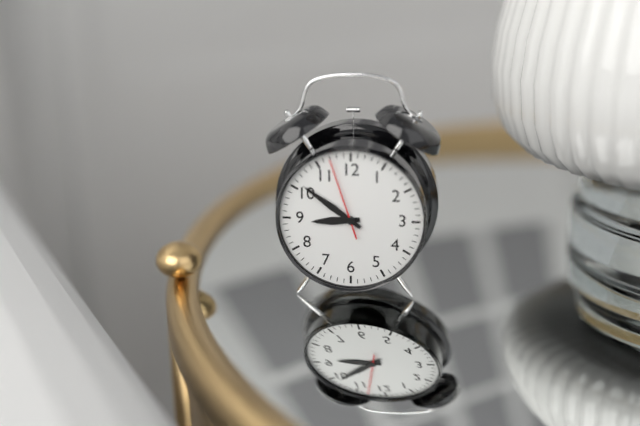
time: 8:51:57
